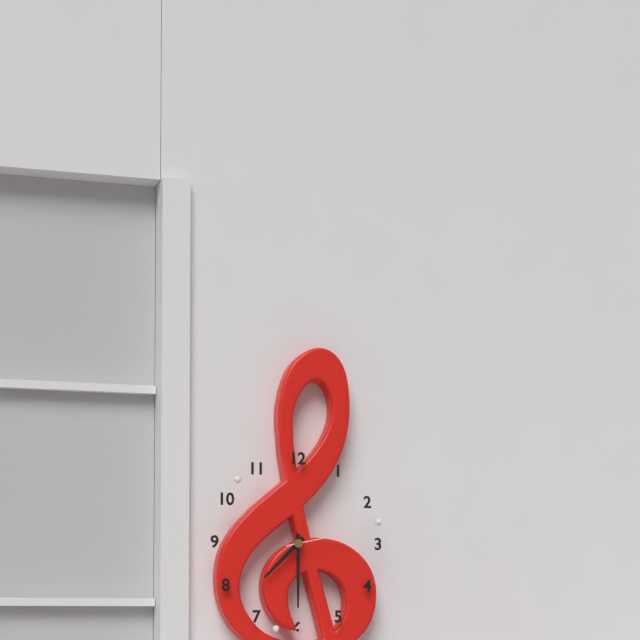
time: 7:30:13
